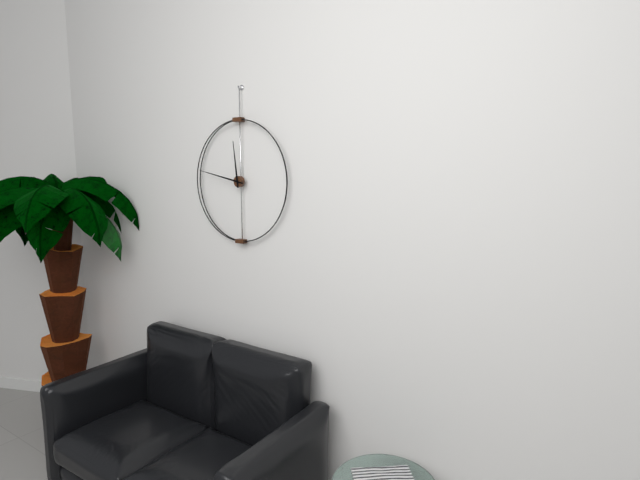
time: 11:47
